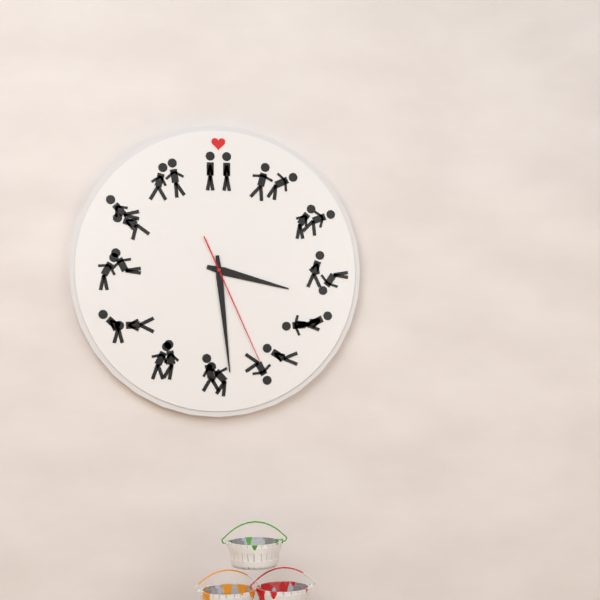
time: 3:29:26
